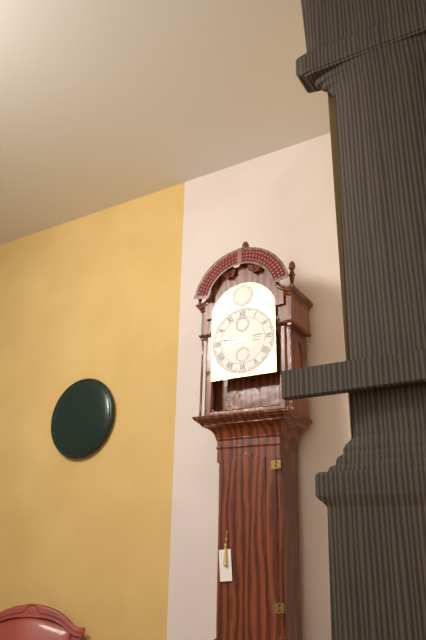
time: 8:47
